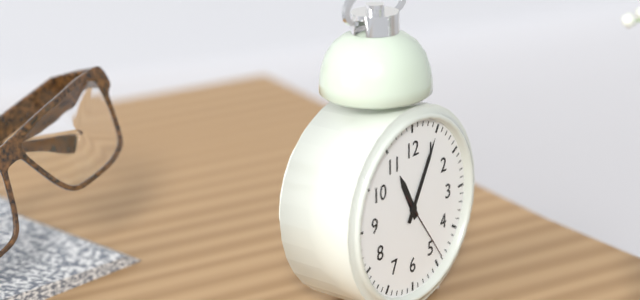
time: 11:05:24
